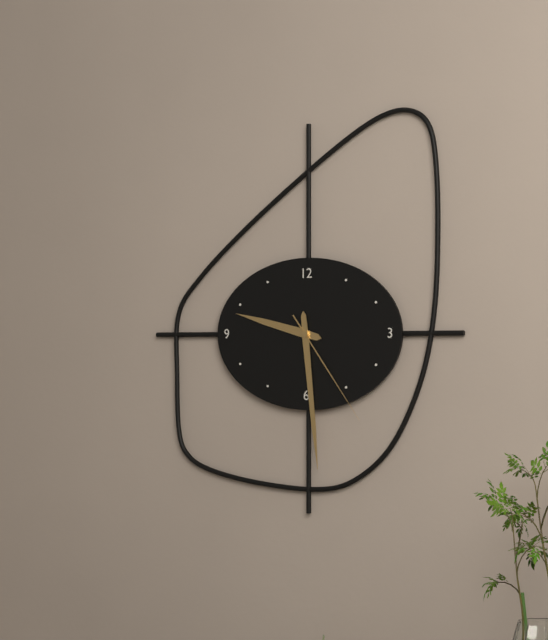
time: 9:29:24
